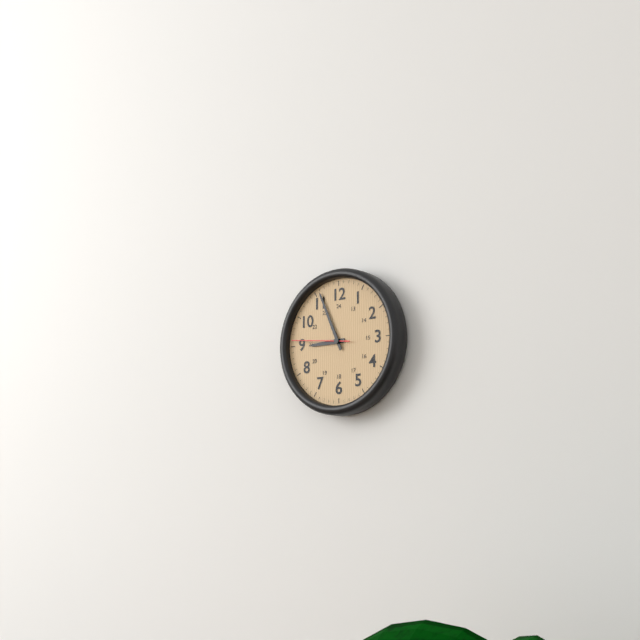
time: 8:56:46
